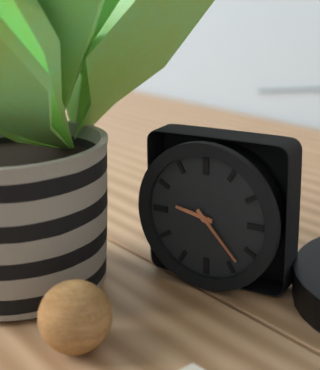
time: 9:23
